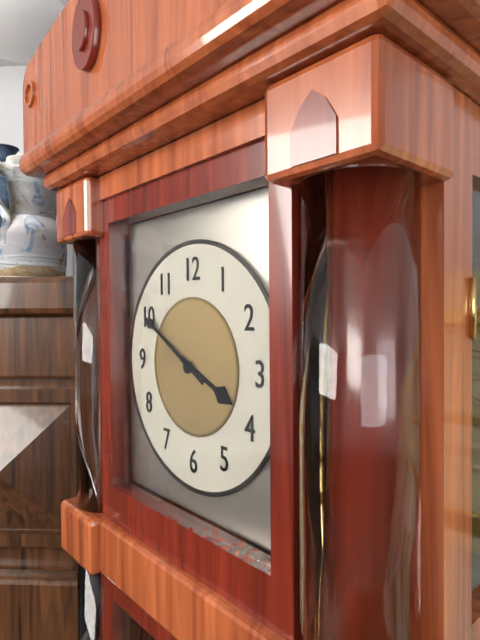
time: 3:50
